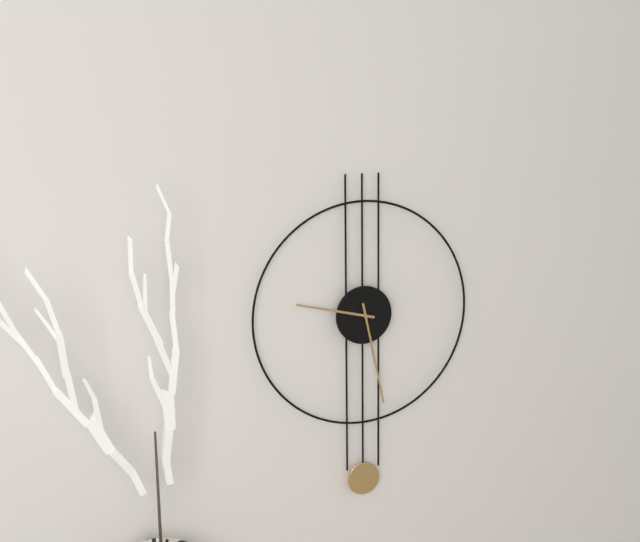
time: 9:28
